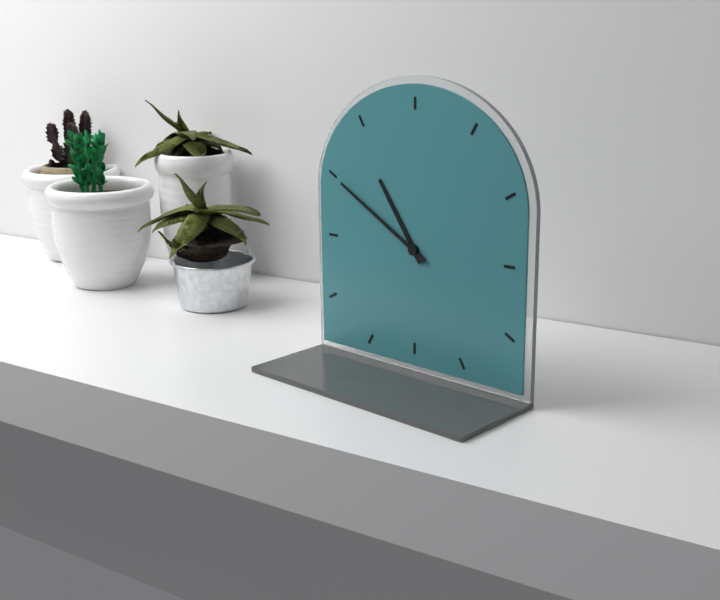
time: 10:50
